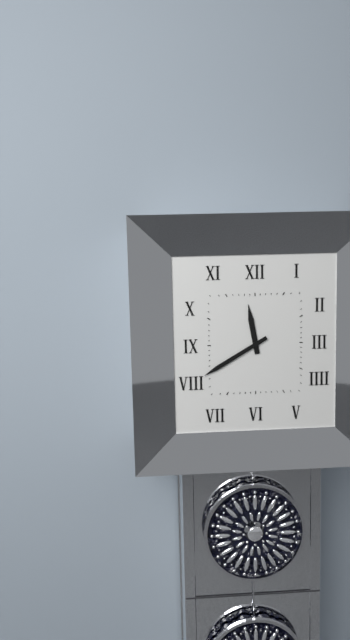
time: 11:40
